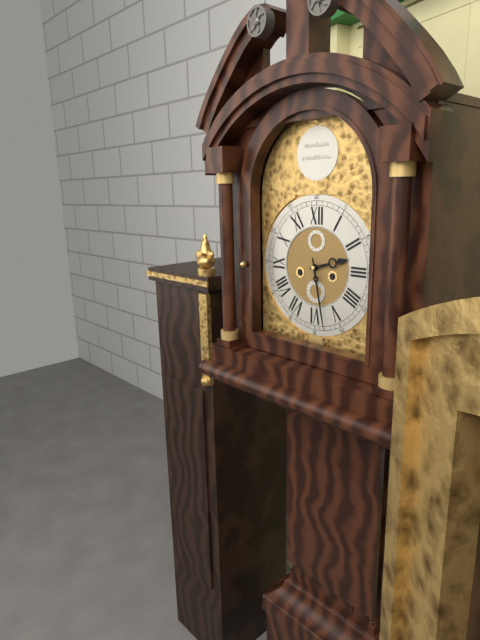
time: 2:28
